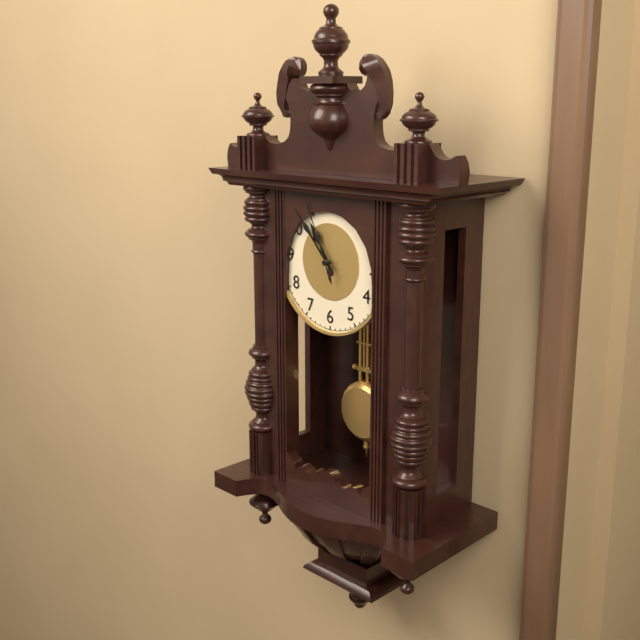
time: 10:53:56
